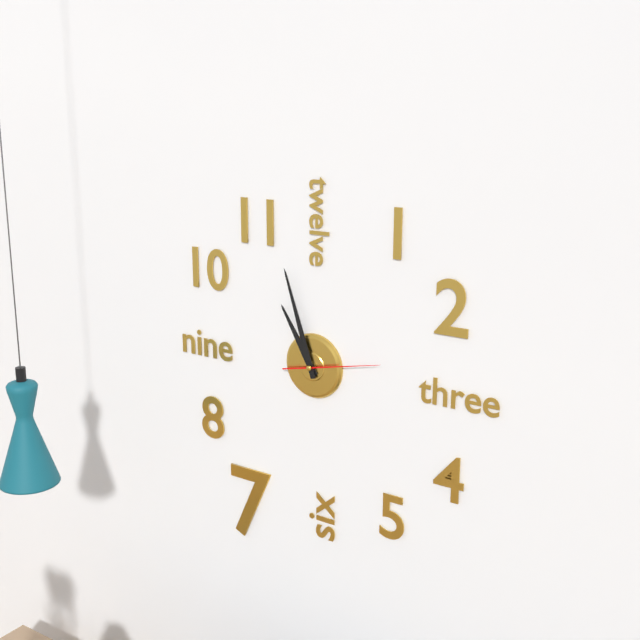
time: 10:57:13
